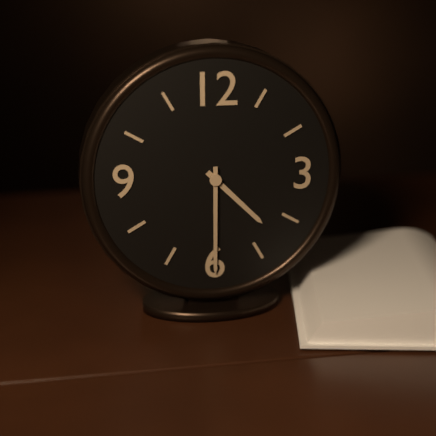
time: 4:30
